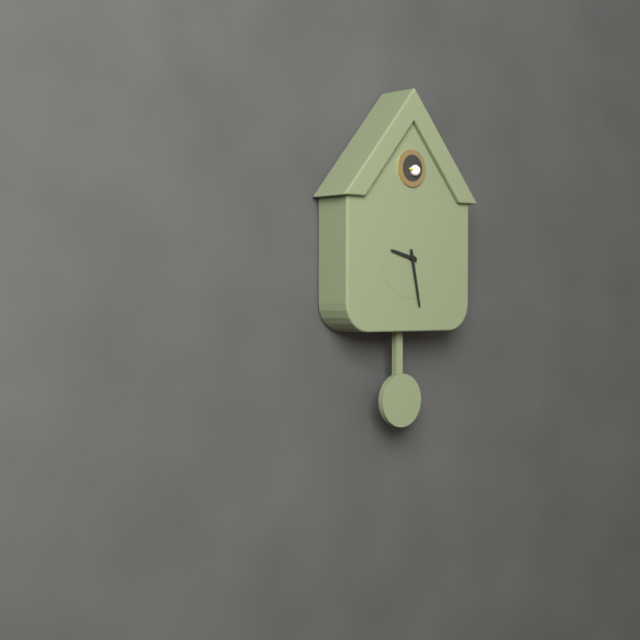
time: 9:28
